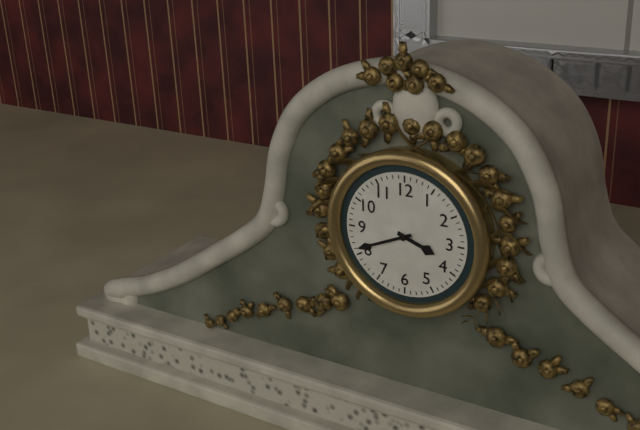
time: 3:41
